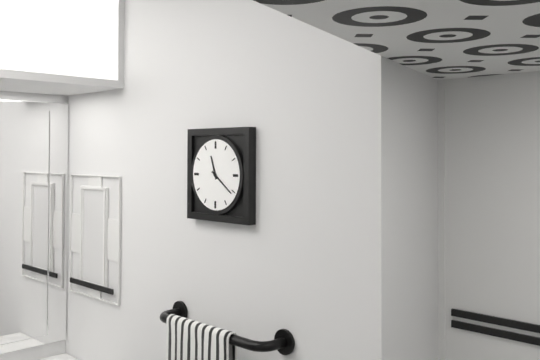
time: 11:21
